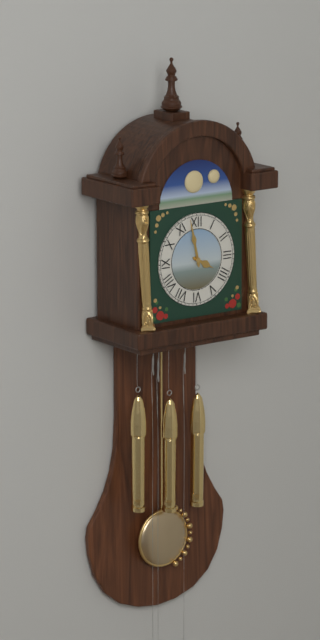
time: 3:58
